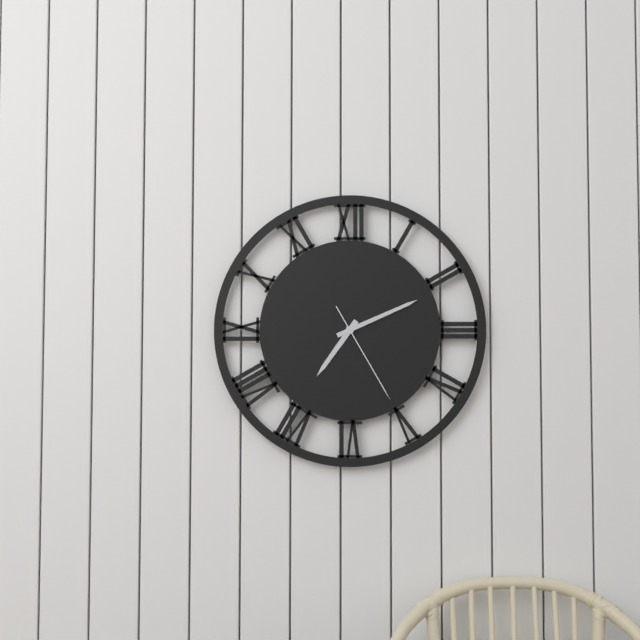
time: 7:11:25
